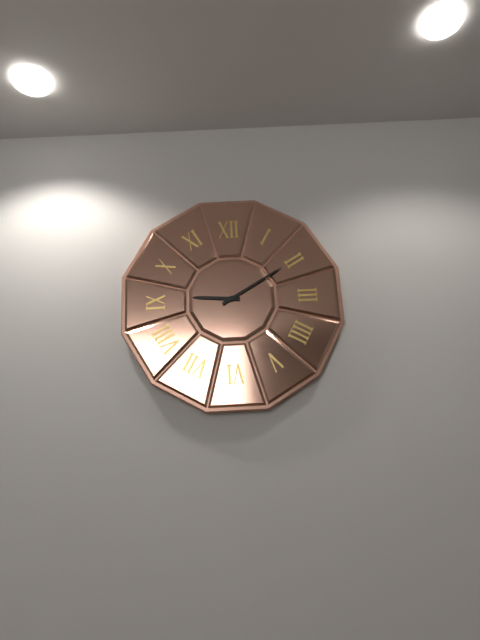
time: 9:10
